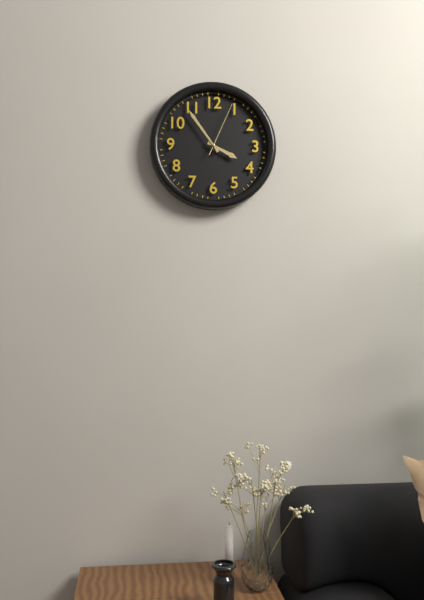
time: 3:54:04
